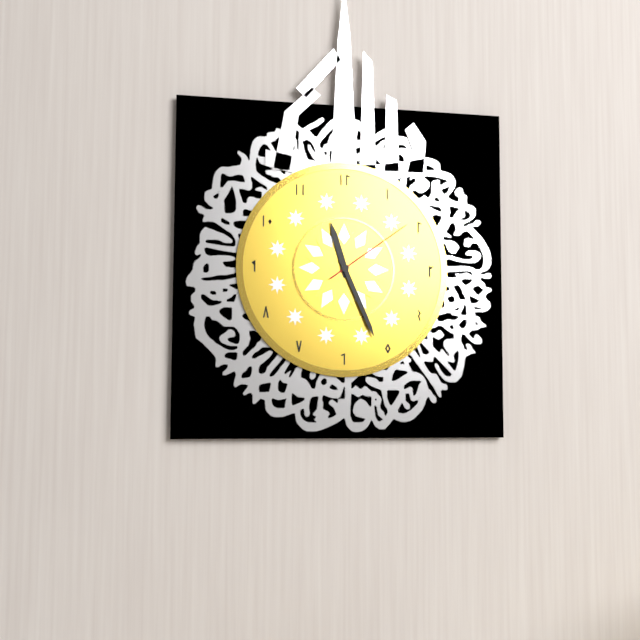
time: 11:26:09
